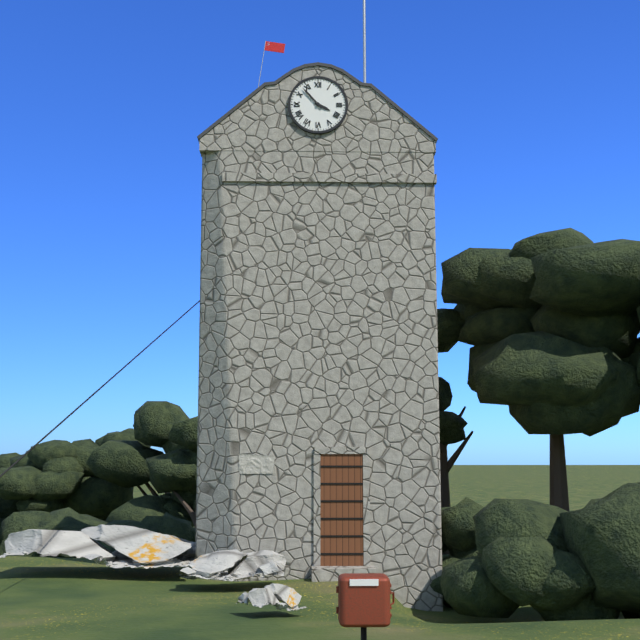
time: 3:53
